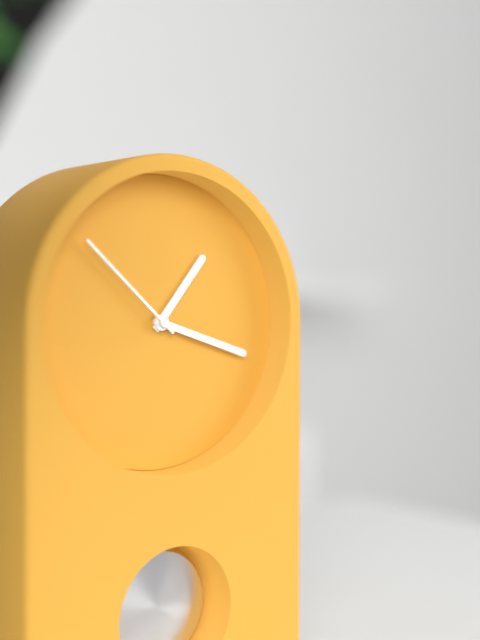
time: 1:18:52
